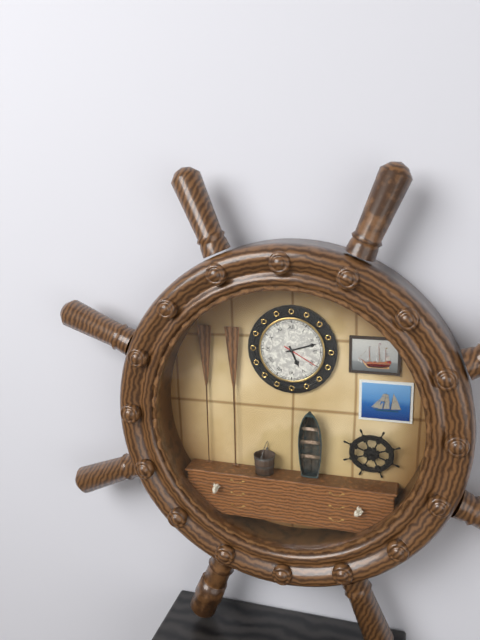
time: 5:12
